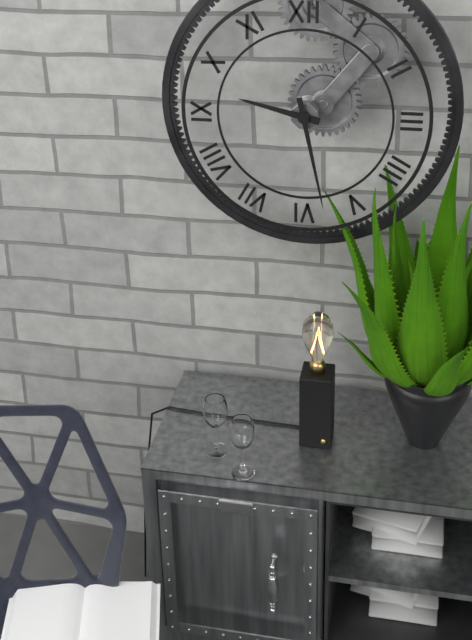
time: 9:28
